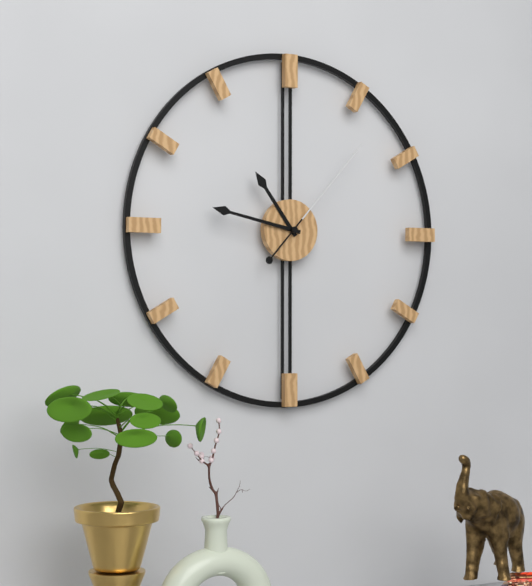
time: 10:47:07
